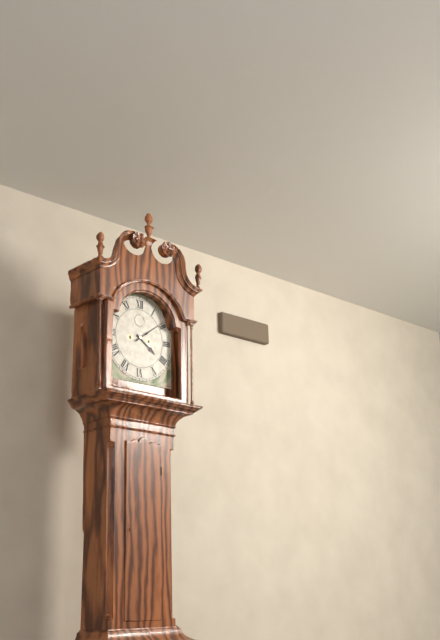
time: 4:09
